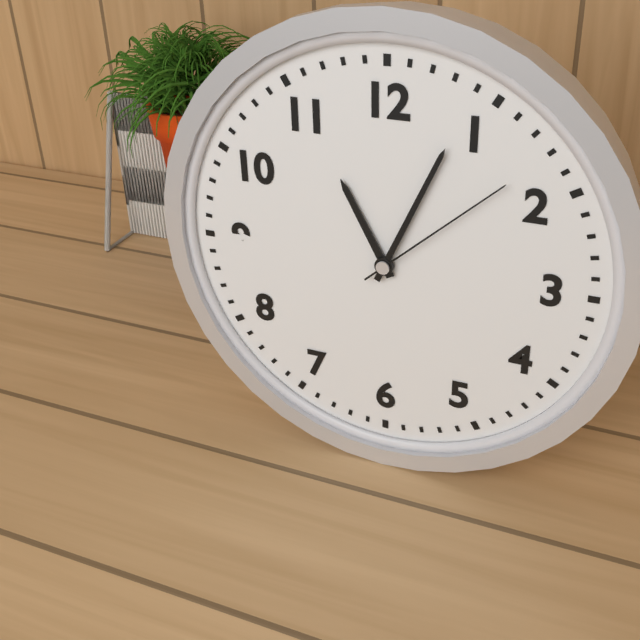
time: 11:04:08
